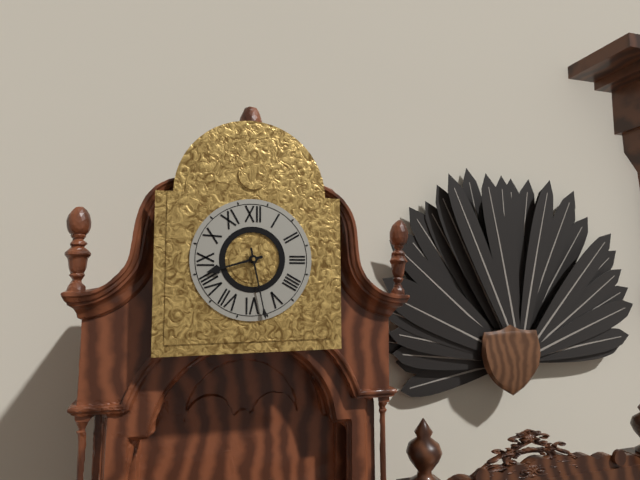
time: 8:28
